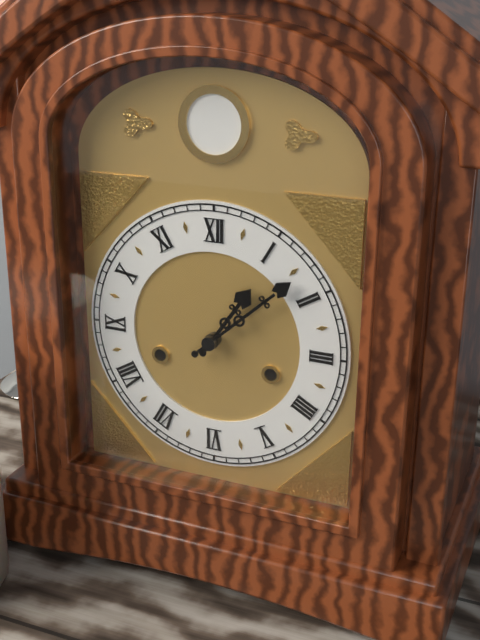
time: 1:08
